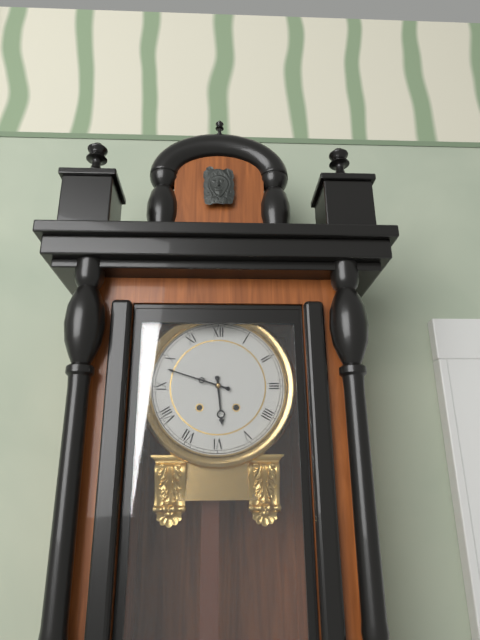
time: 5:48
